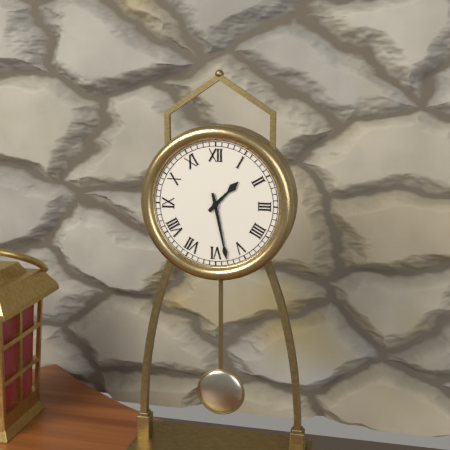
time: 1:28
